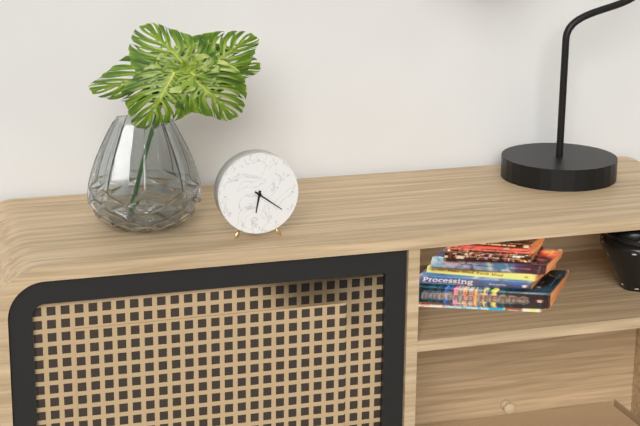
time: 6:21
